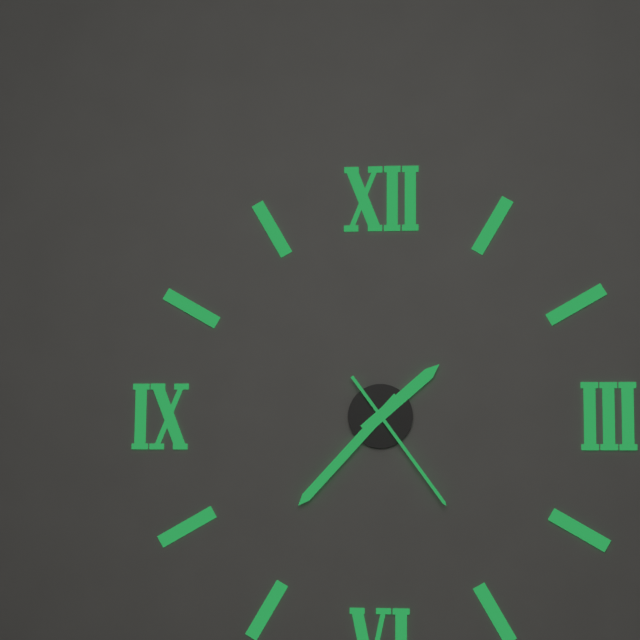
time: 1:37:24
